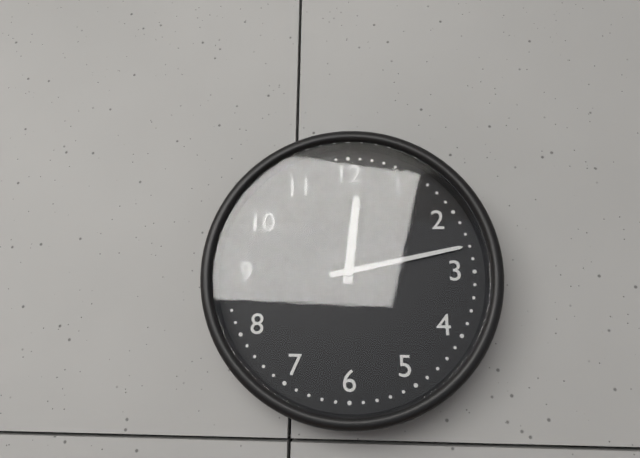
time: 12:13
